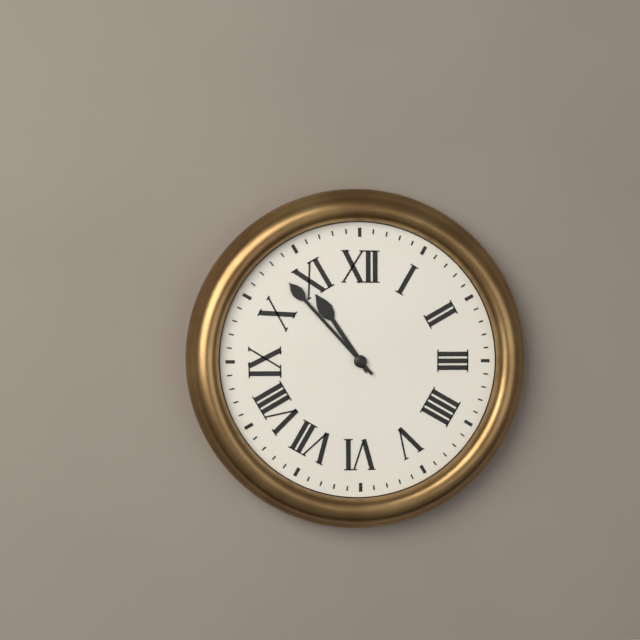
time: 10:53
